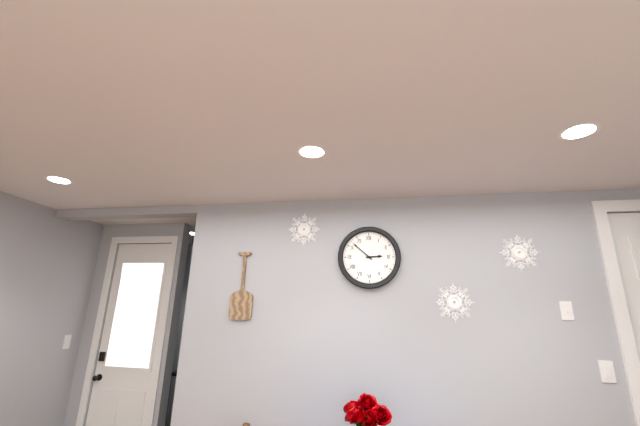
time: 2:52
